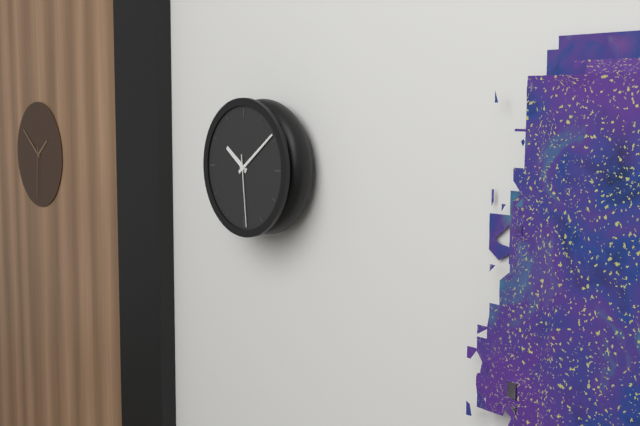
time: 10:09:29
